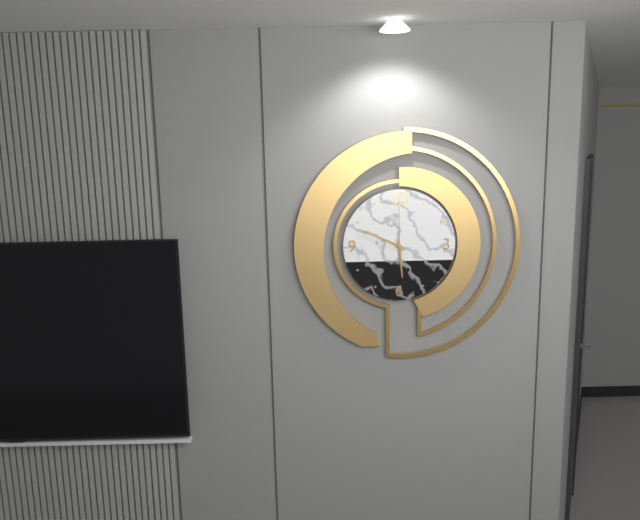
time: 5:49:00
